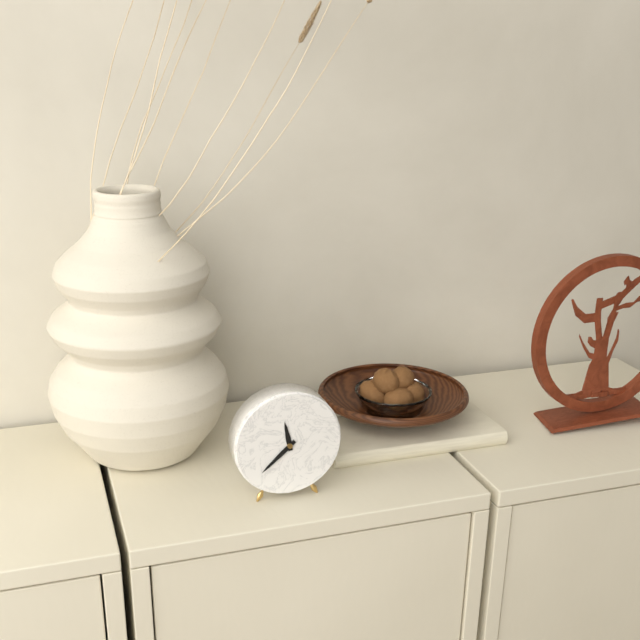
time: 11:38
